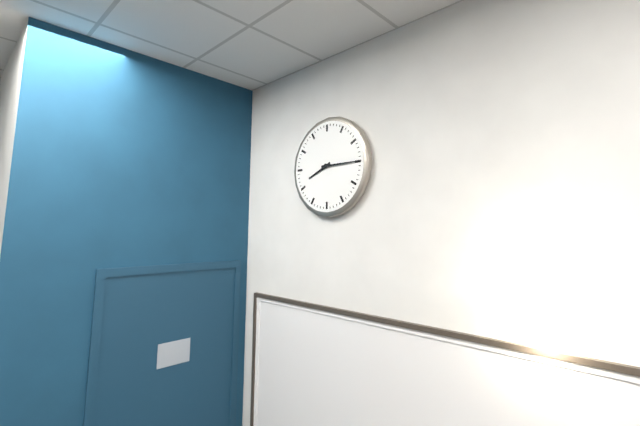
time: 8:15
